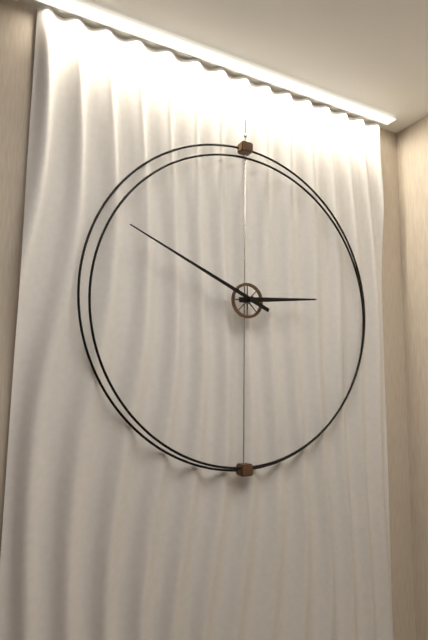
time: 2:49
